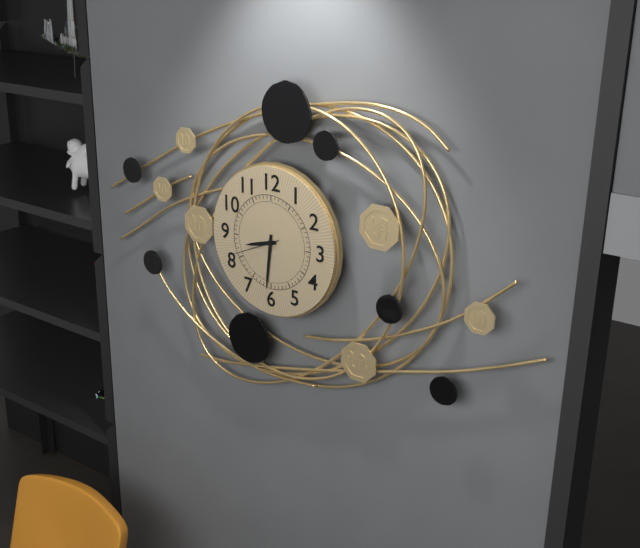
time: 8:31:41
